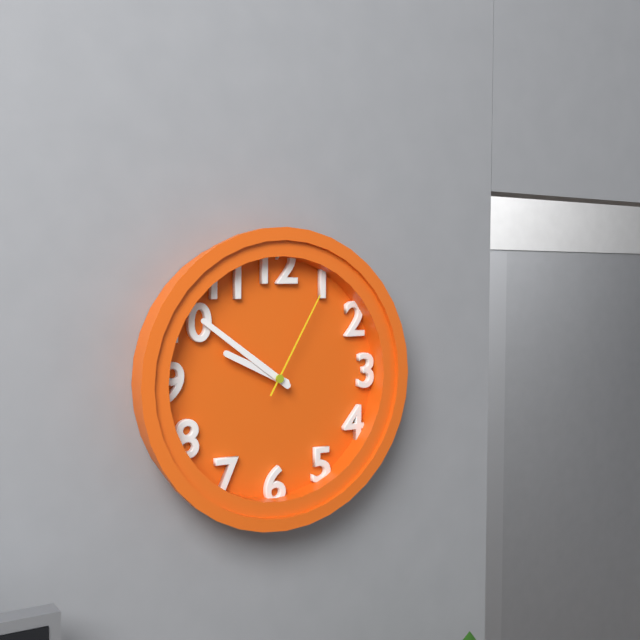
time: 9:51:05
